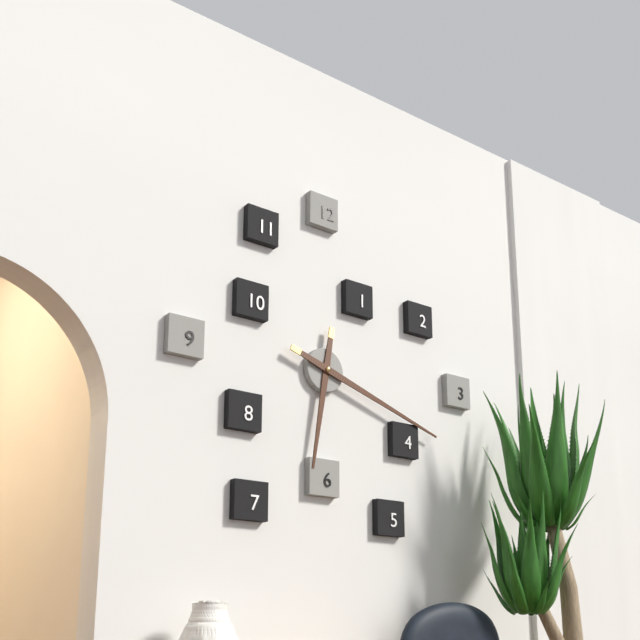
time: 6:18
